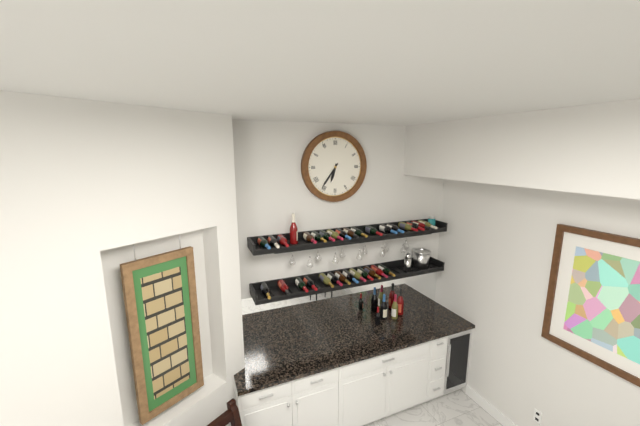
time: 6:36
